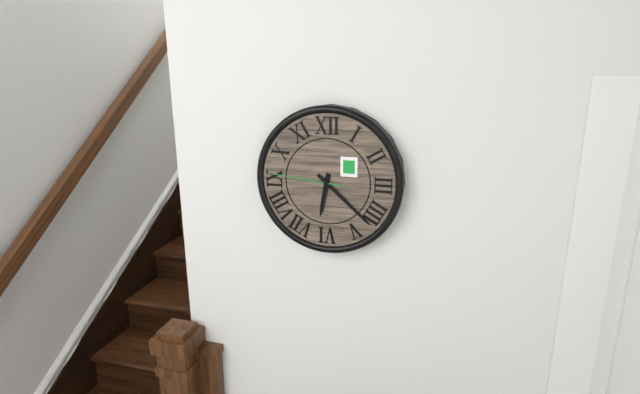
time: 6:22:46
